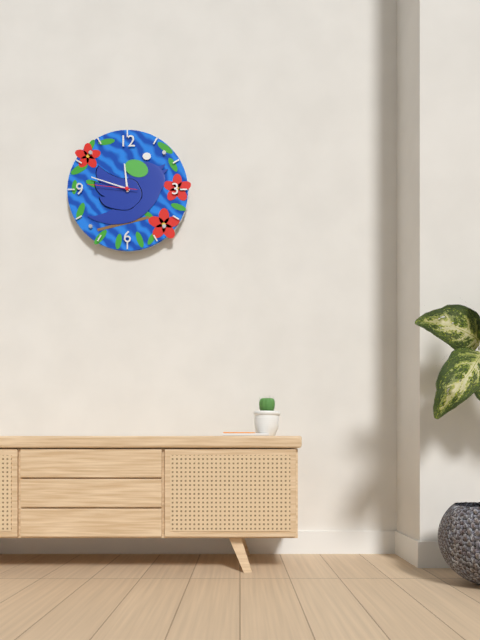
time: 11:48:46
